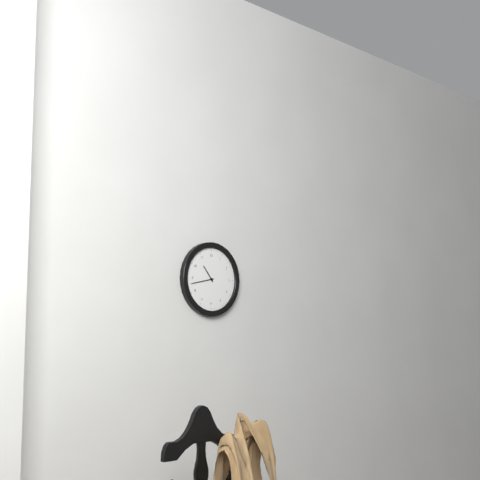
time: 10:43
